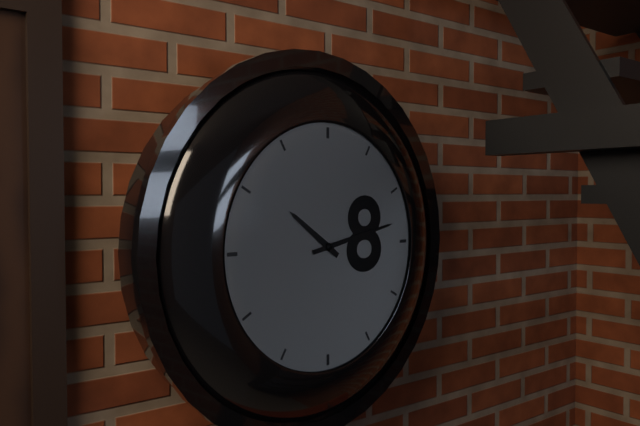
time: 10:13
